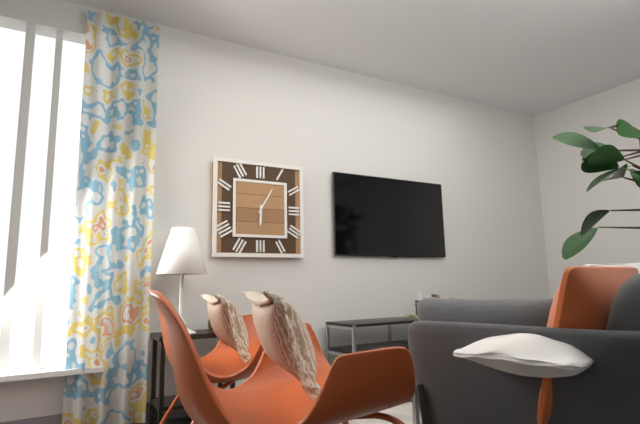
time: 6:05
